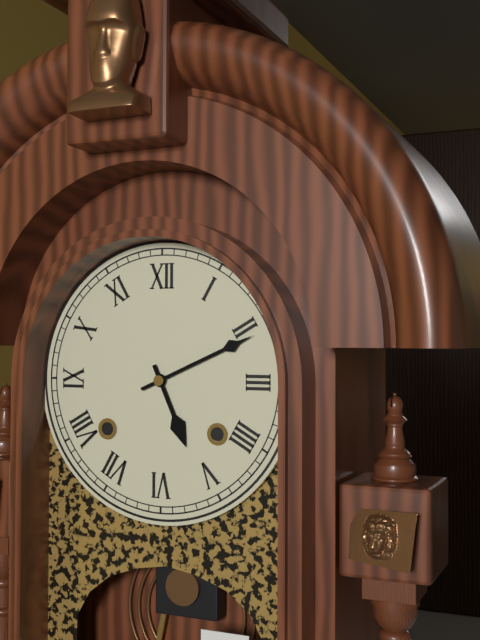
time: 5:11
